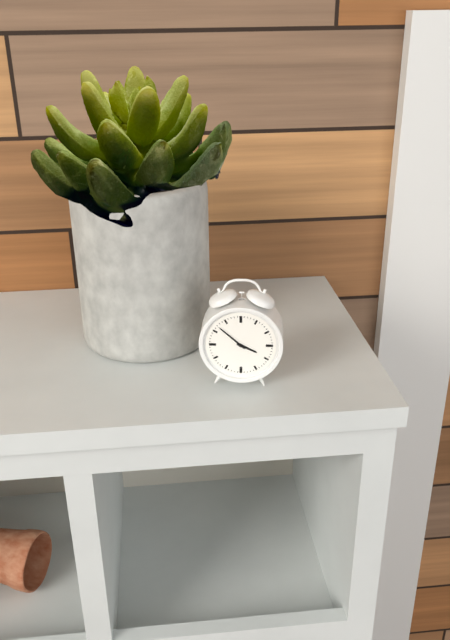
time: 3:52
